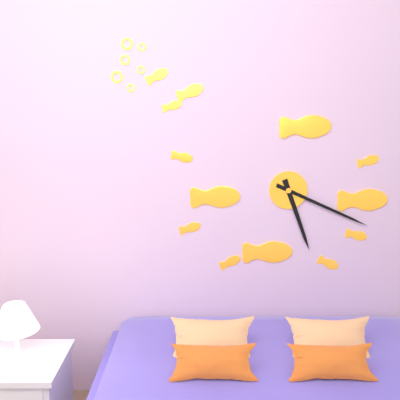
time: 5:19
